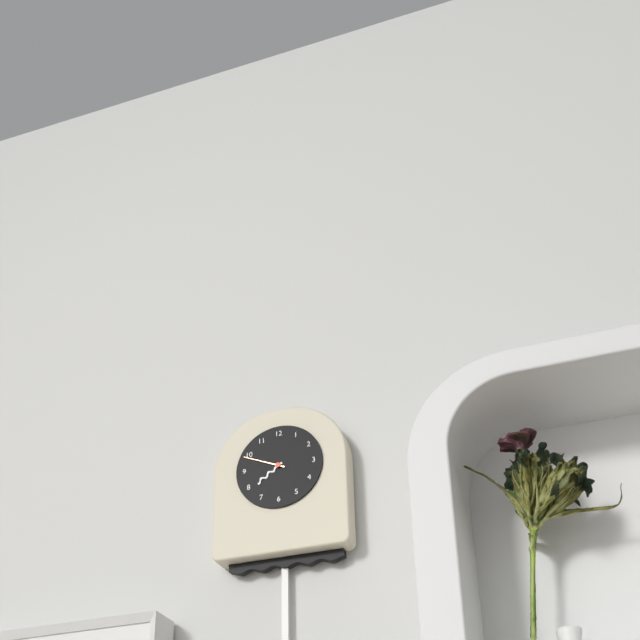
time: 7:49
